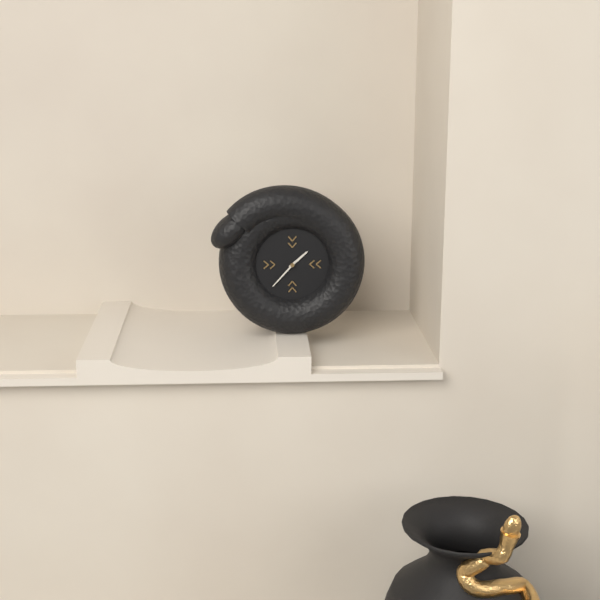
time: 1:37
